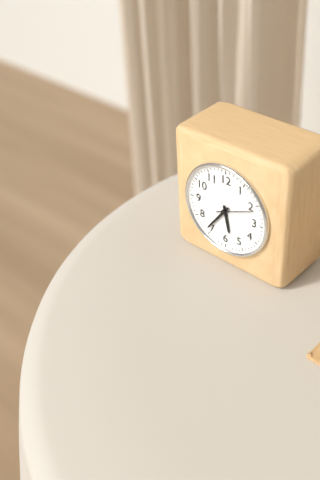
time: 5:36
